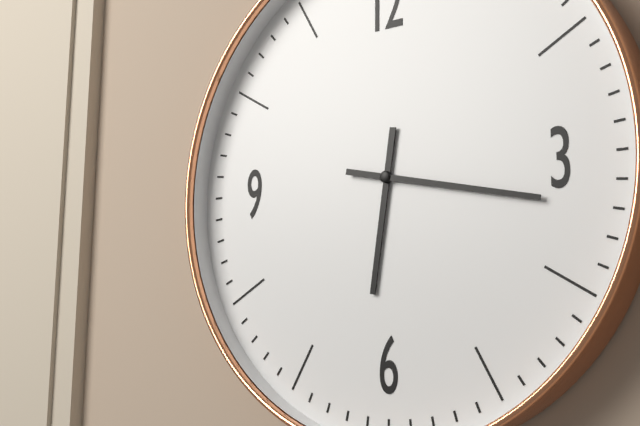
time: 6:17
